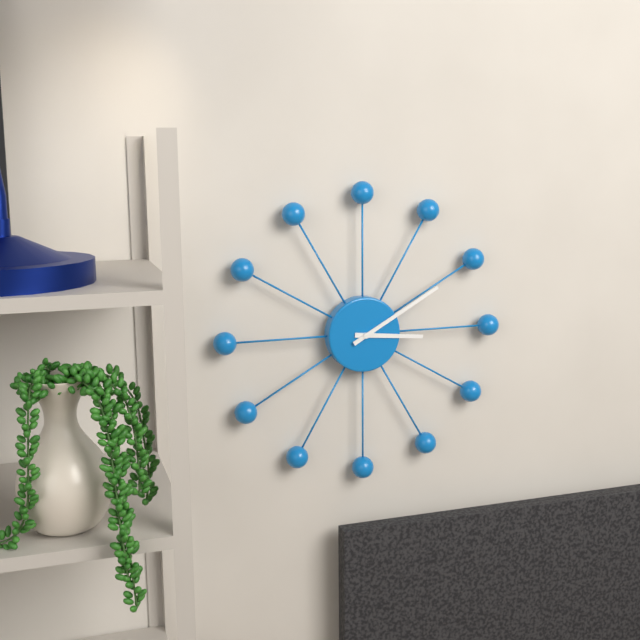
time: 3:10
